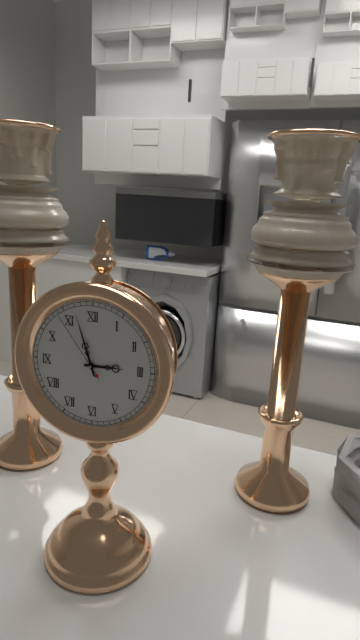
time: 2:57:54
